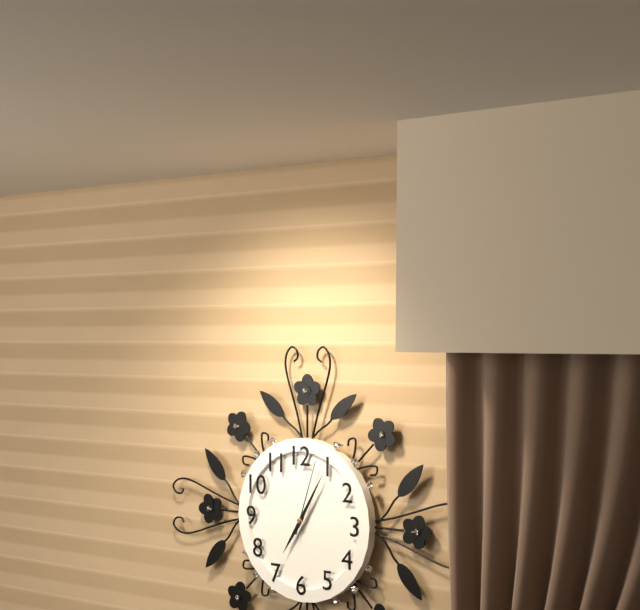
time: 7:05:03
